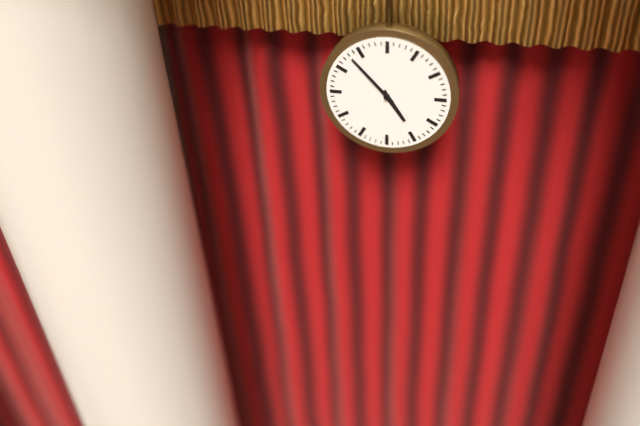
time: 4:53
